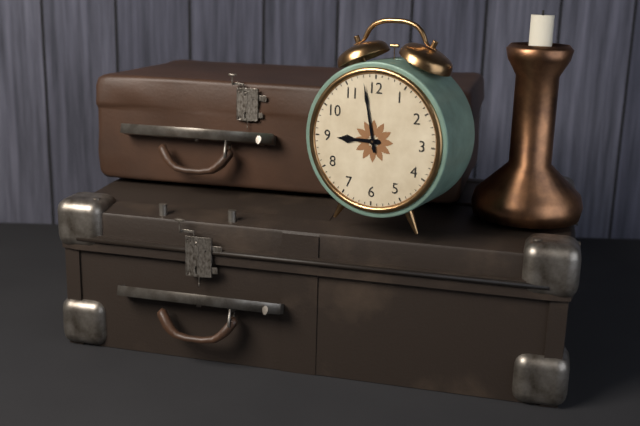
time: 8:58
